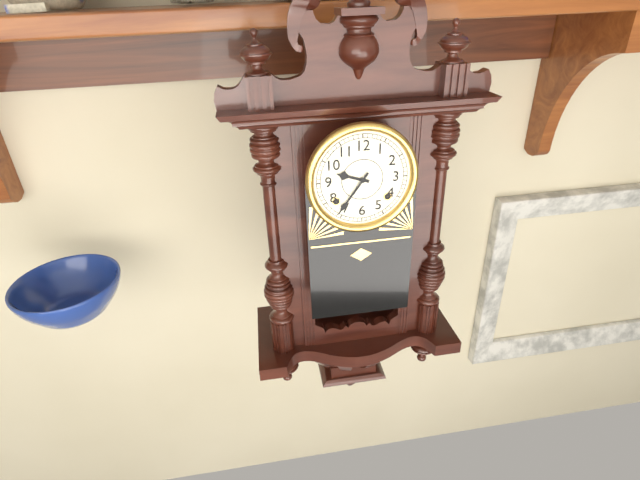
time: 9:36
